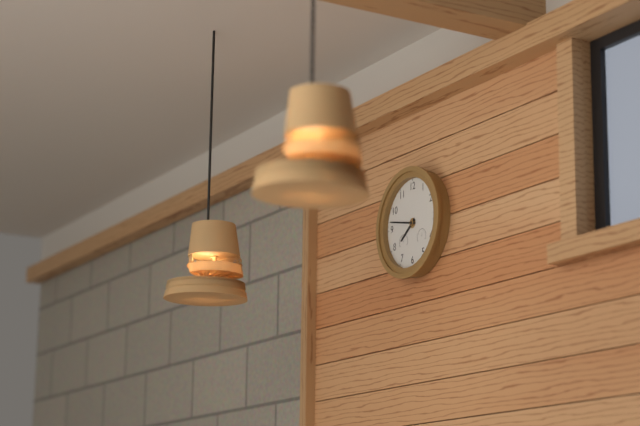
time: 7:47
